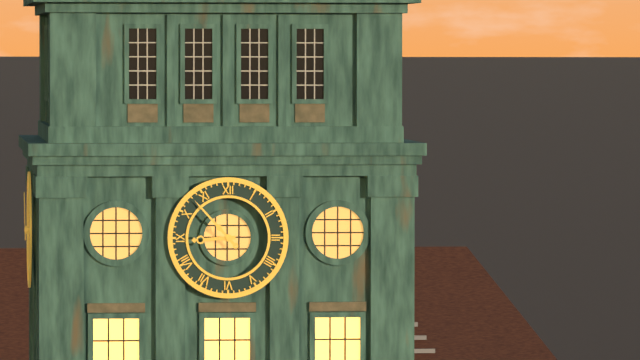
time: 8:53
